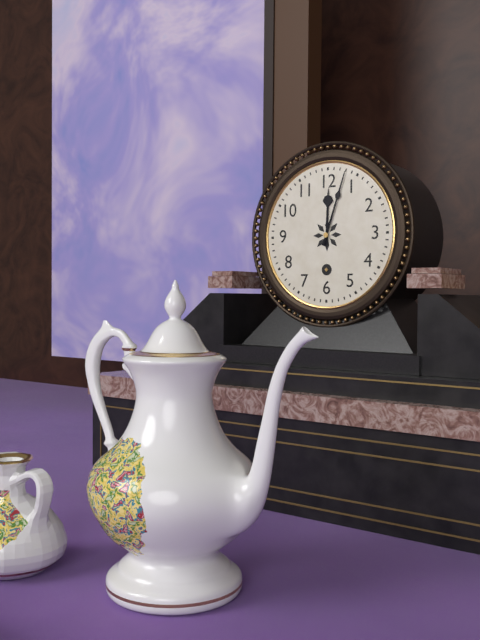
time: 12:03
